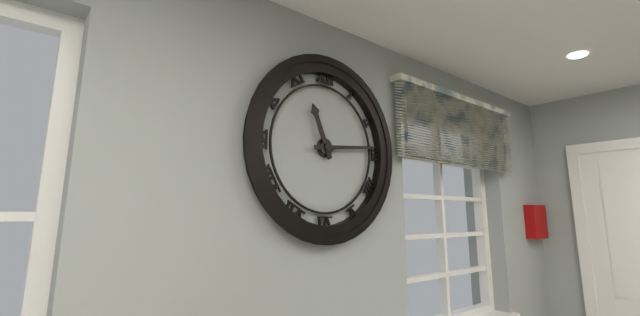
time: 11:14
